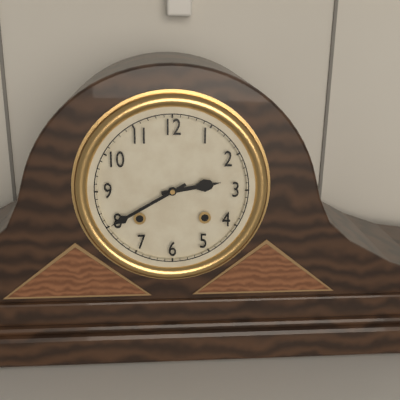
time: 2:40
